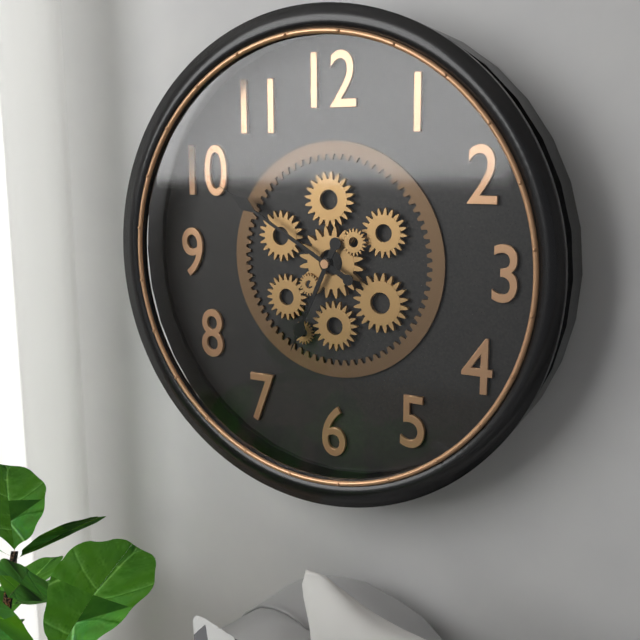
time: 6:50
